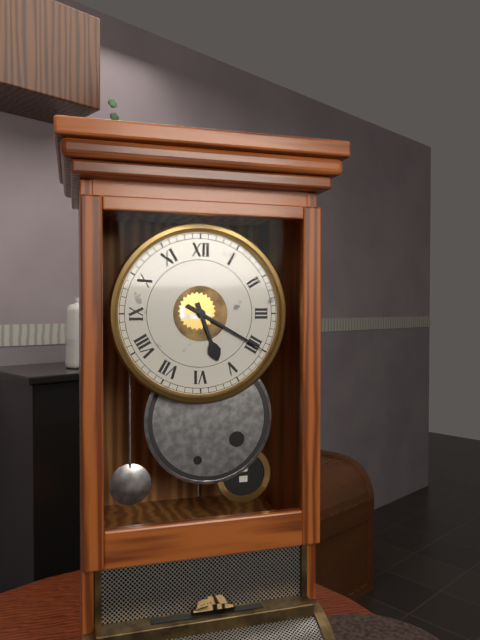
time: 5:20
